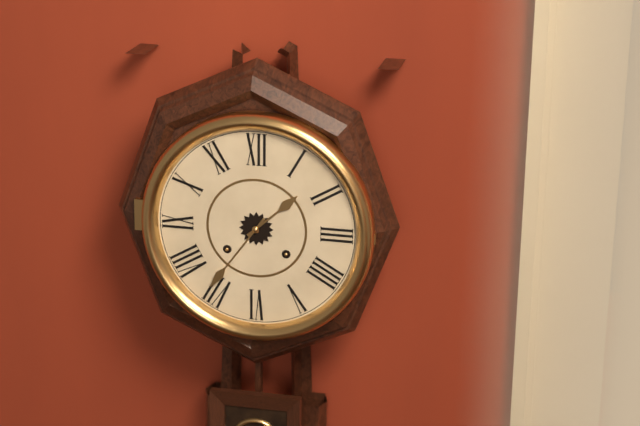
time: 1:36
